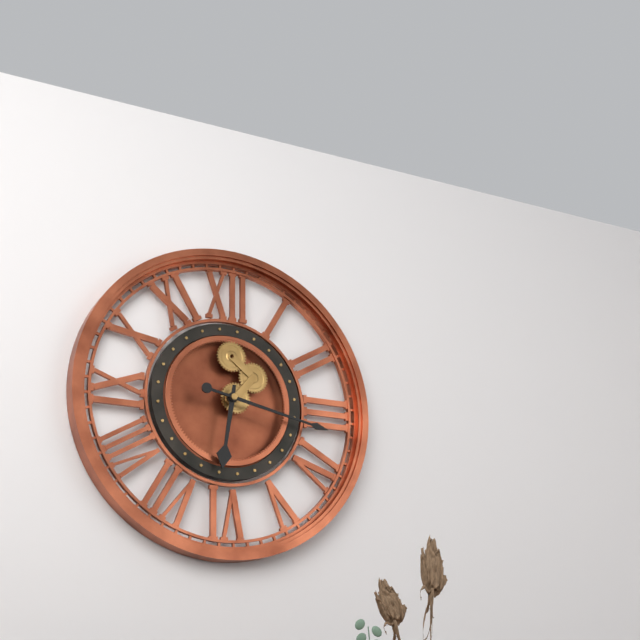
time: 6:17
